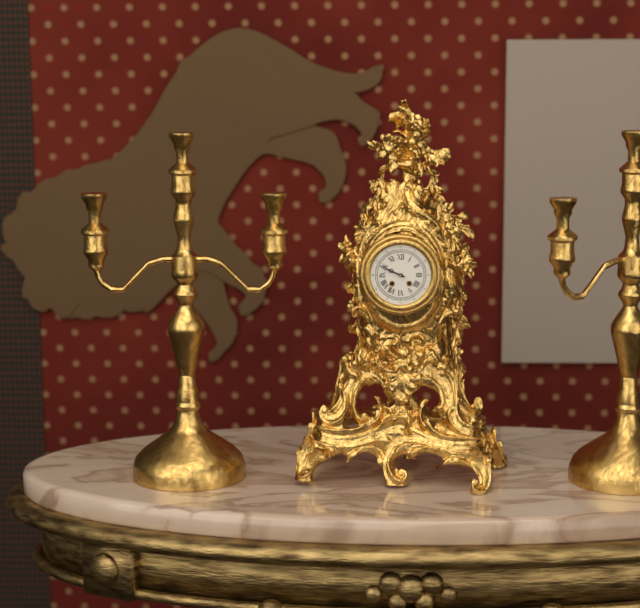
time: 9:49
